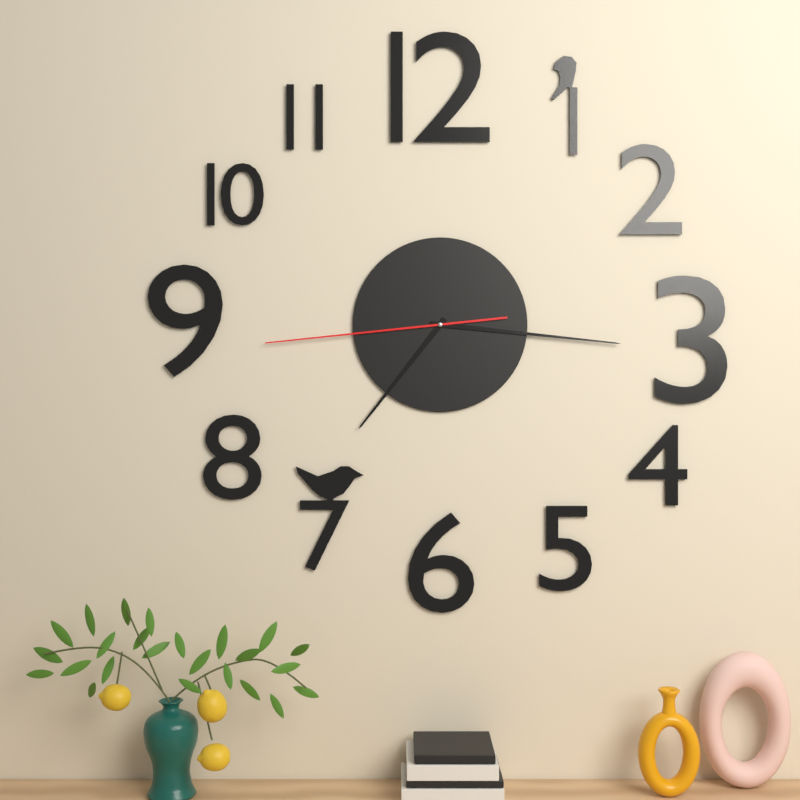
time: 7:16:44
